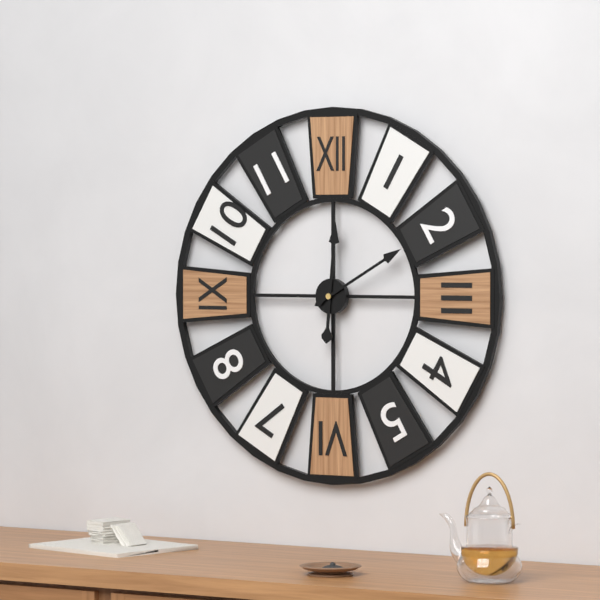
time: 12:10
